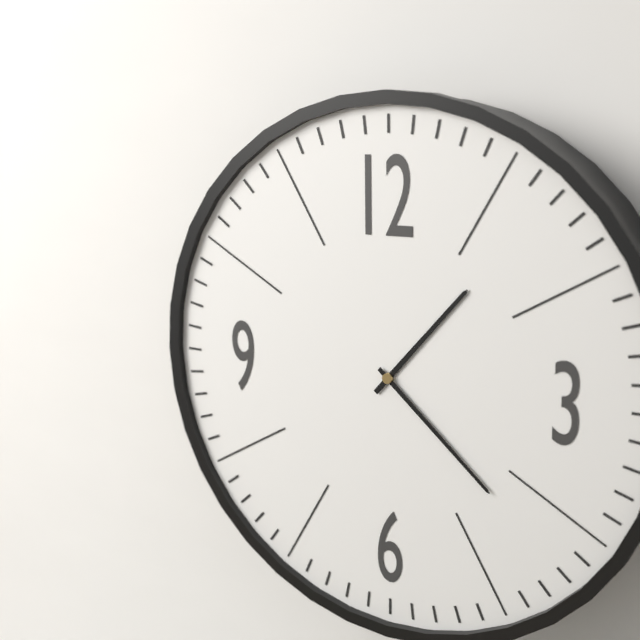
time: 1:22
